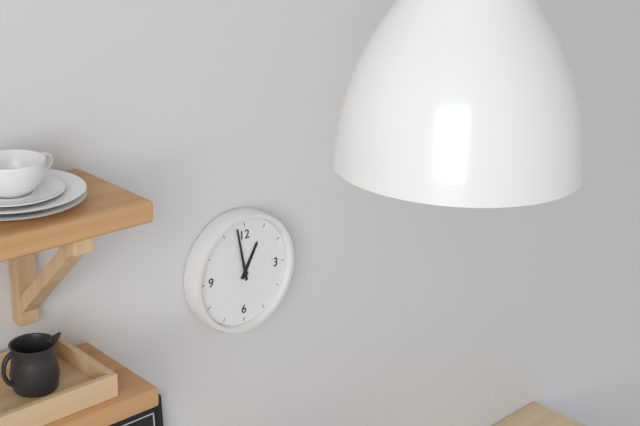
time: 12:58
